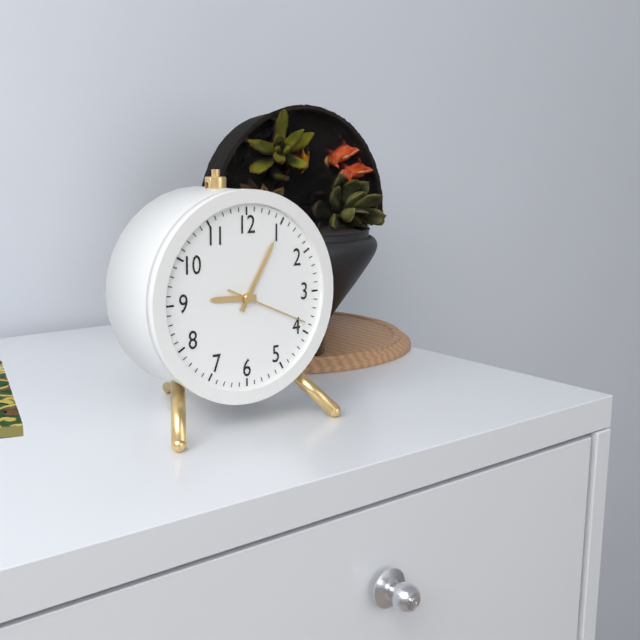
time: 9:05:19
